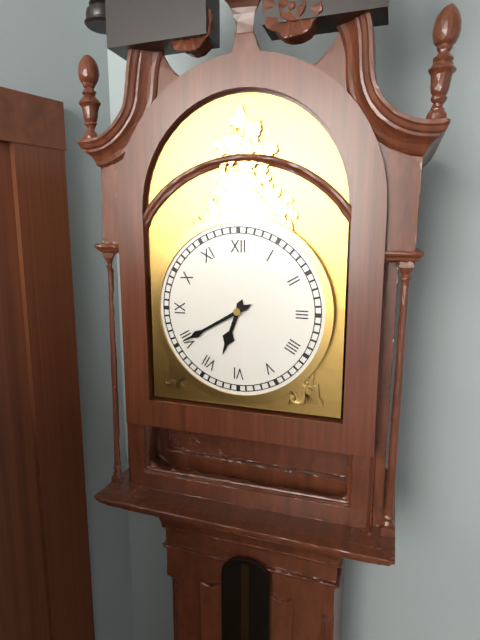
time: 6:40
